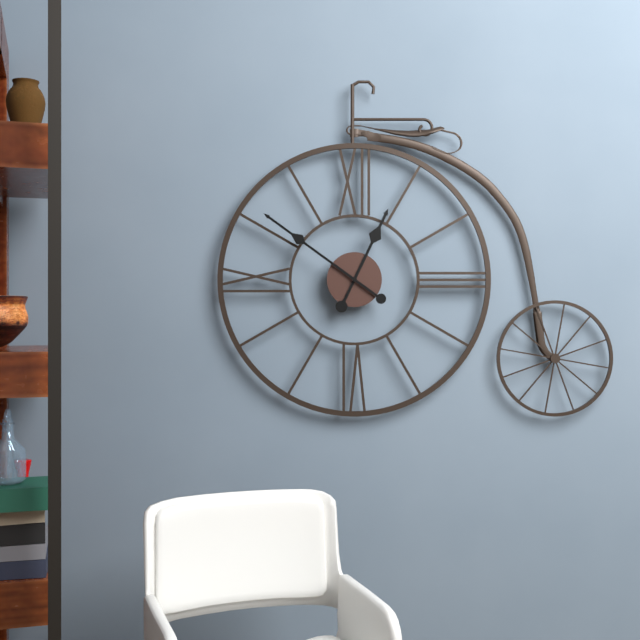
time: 12:51
